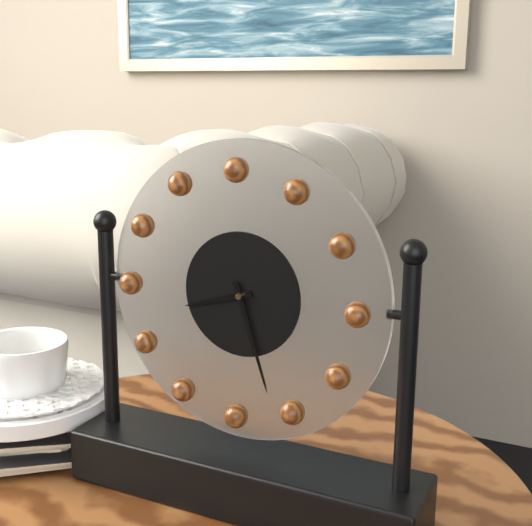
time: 8:27
